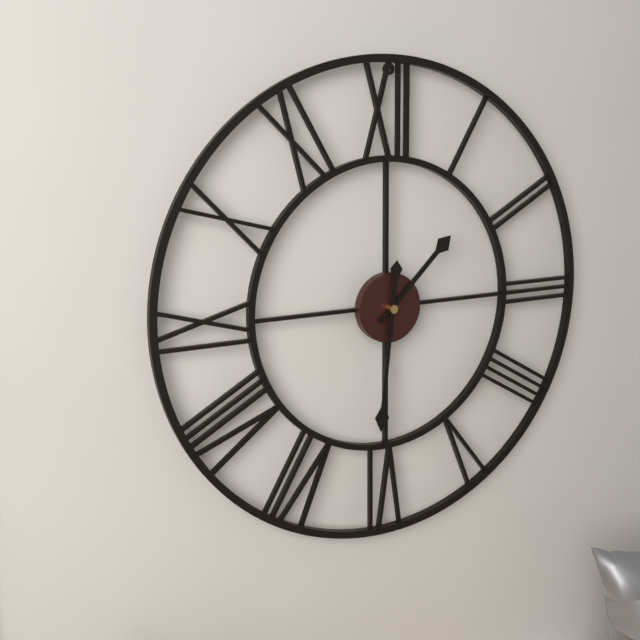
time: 1:31
